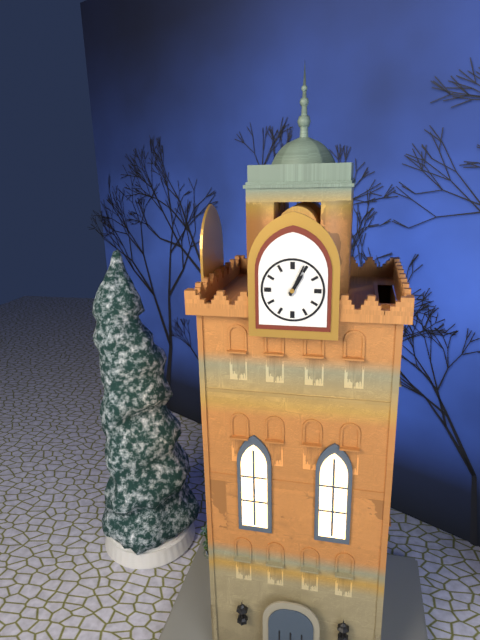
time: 1:04
